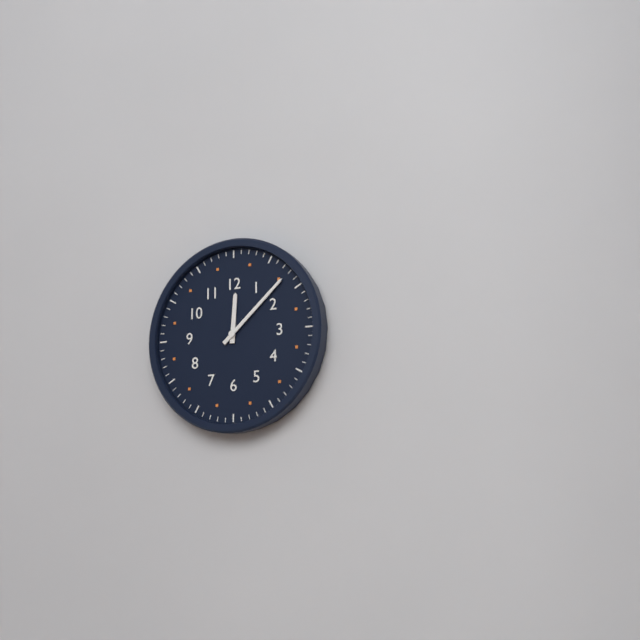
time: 12:08
